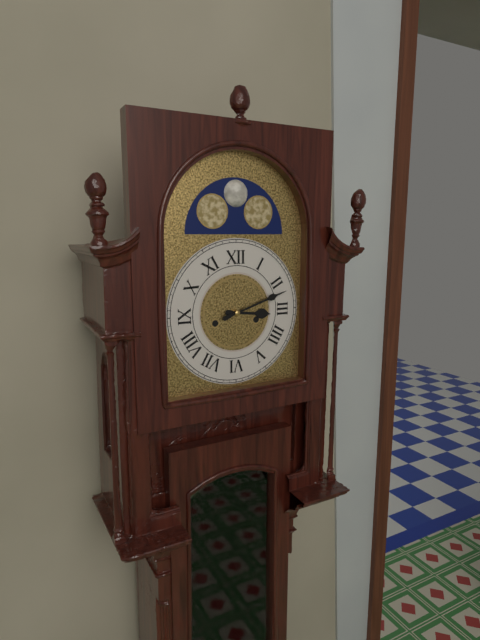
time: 3:12
